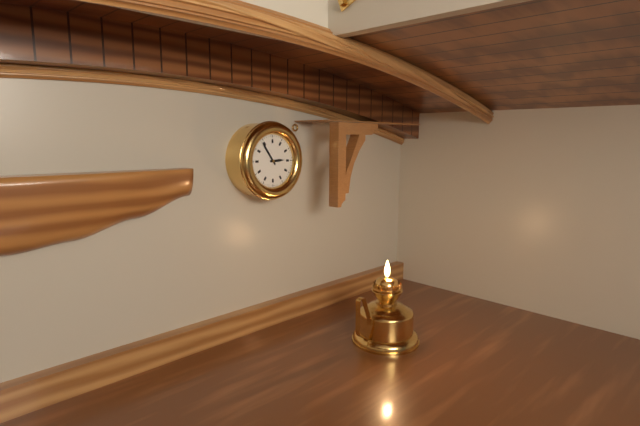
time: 2:54
